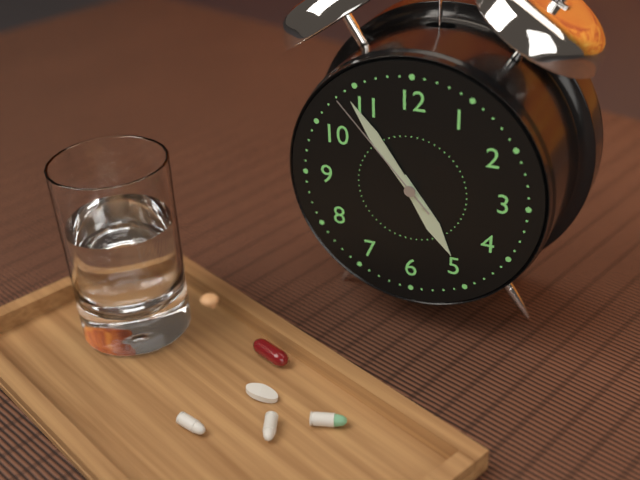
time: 4:54:53
